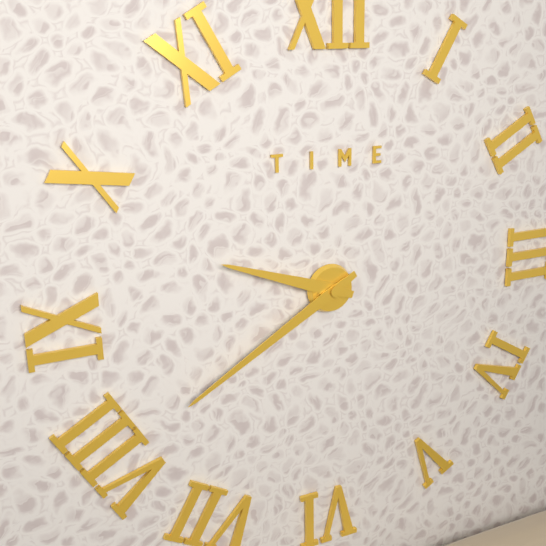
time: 9:40
